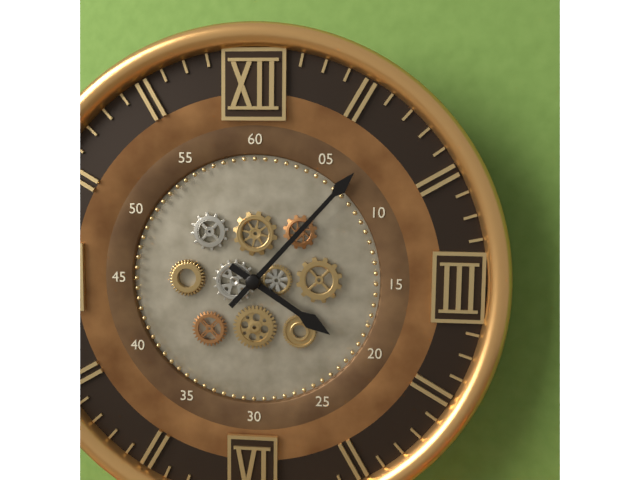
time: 4:07
